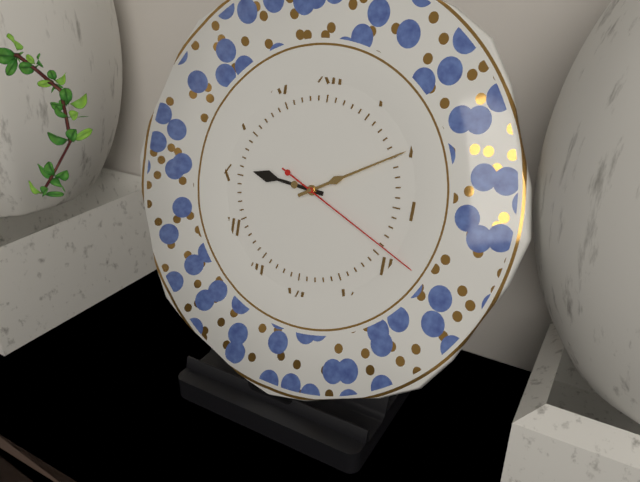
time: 9:10:19
